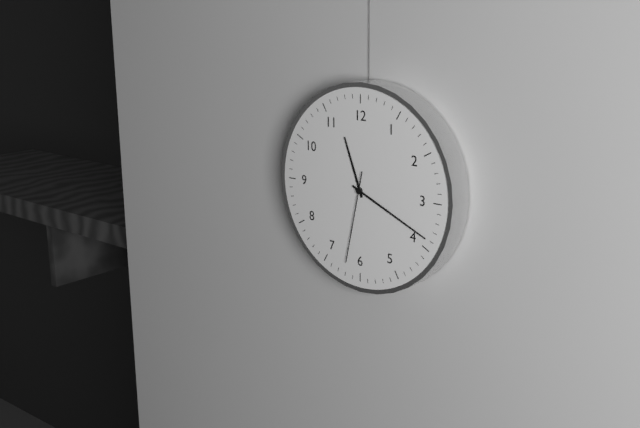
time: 11:19:32
